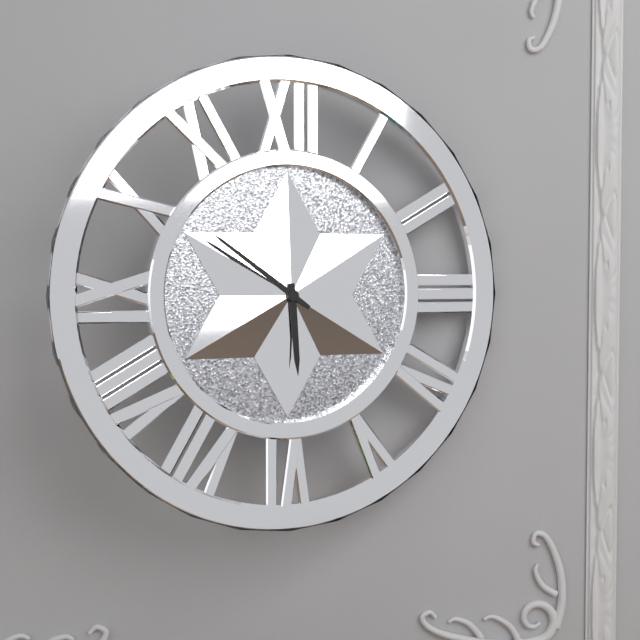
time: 5:51
